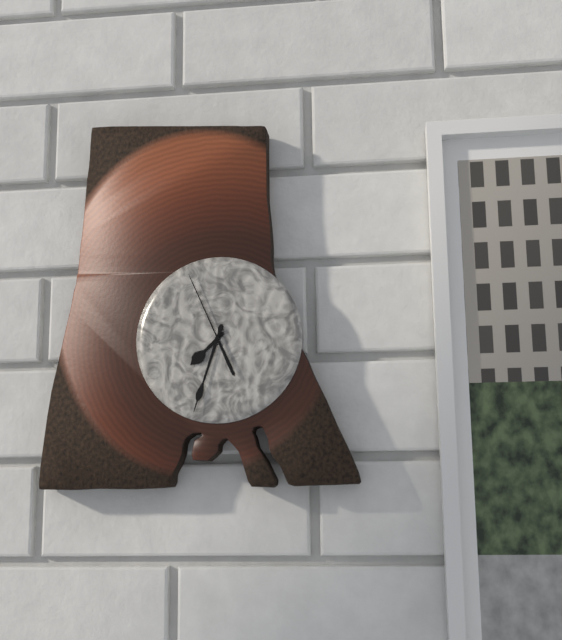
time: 7:33:56
